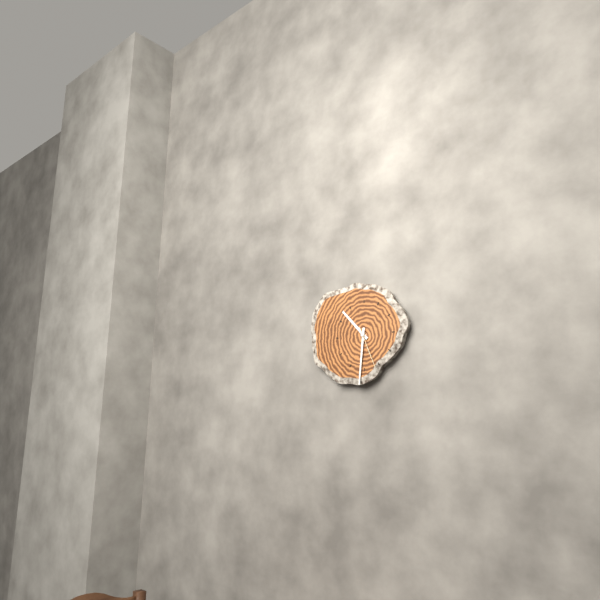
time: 10:31
